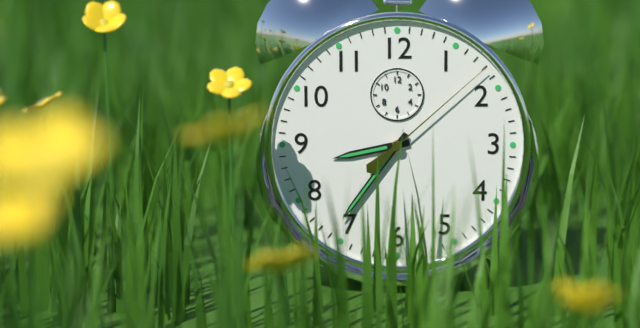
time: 8:36:08
